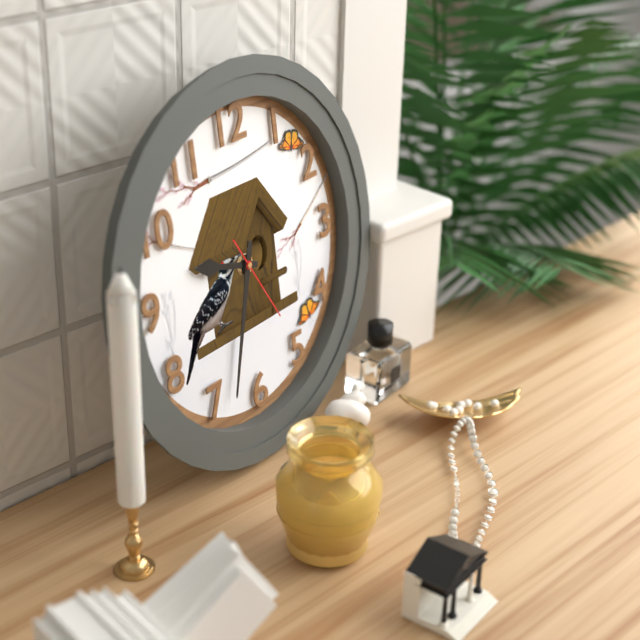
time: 9:33:25
